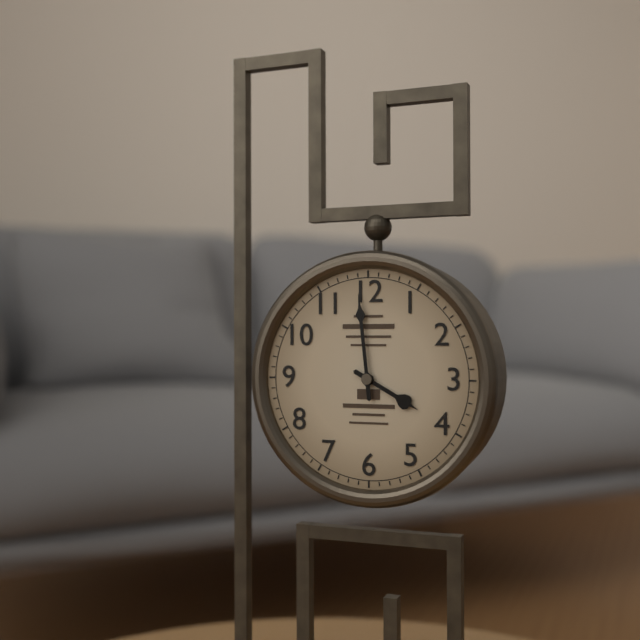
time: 3:59
